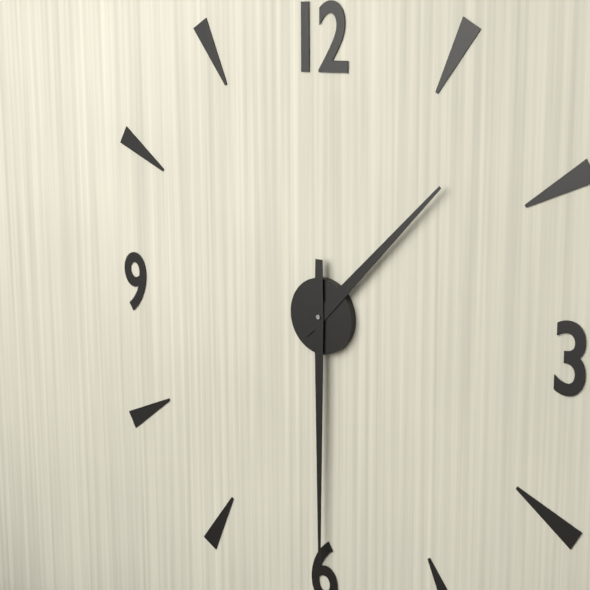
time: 1:30
